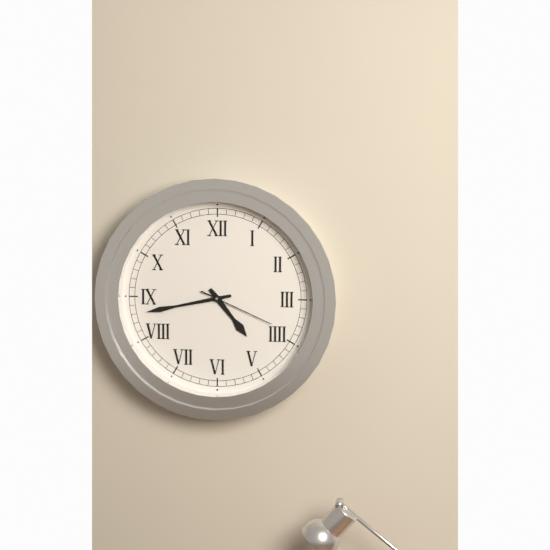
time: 4:43:19
